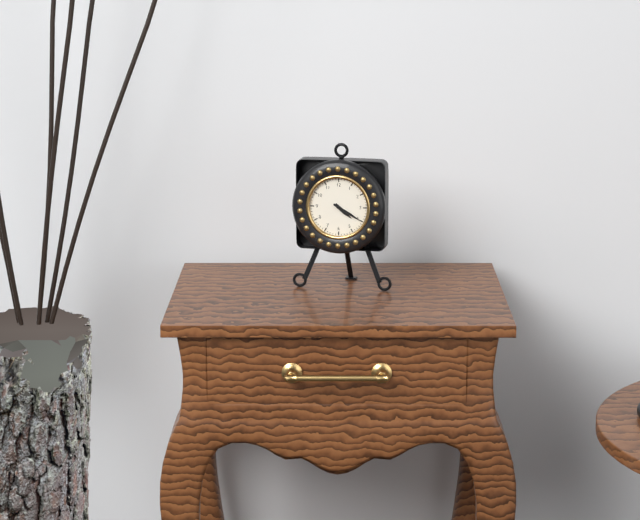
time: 4:20
